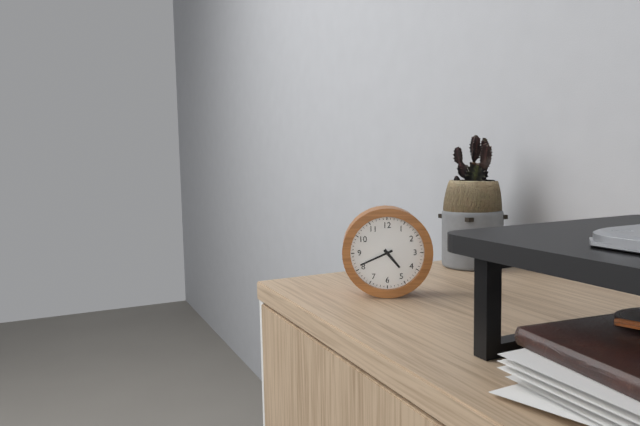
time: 4:41
